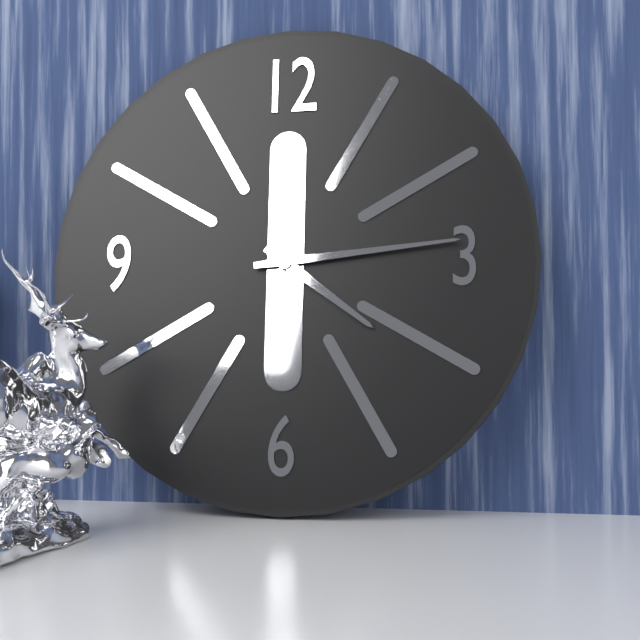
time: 4:14
